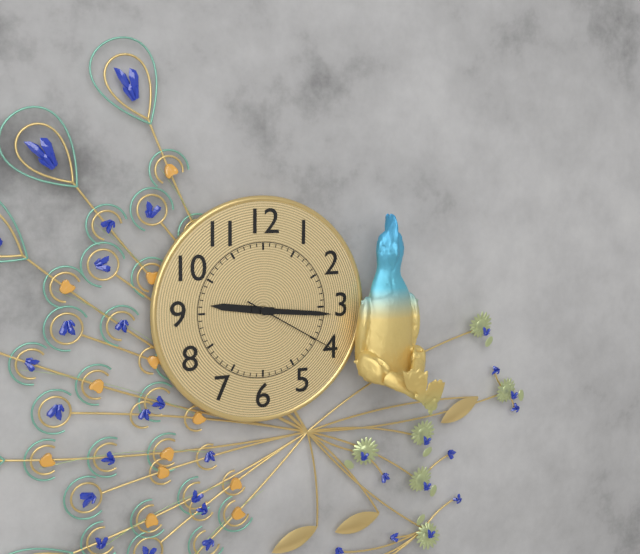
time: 9:16:20
